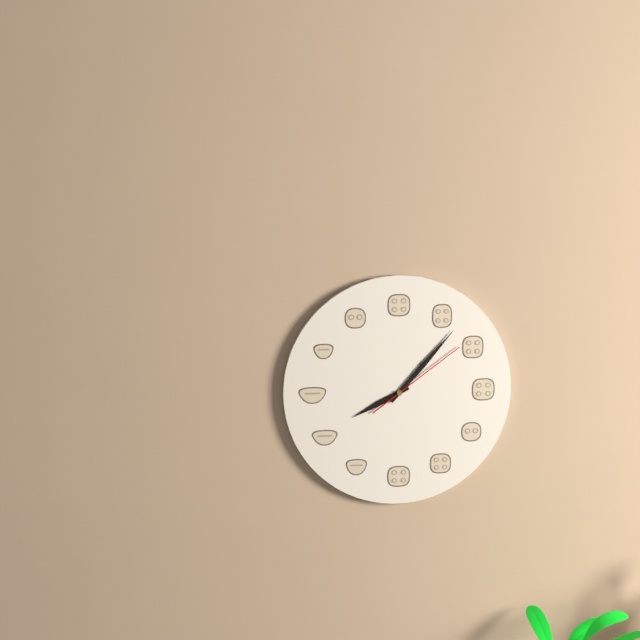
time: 8:07:09
